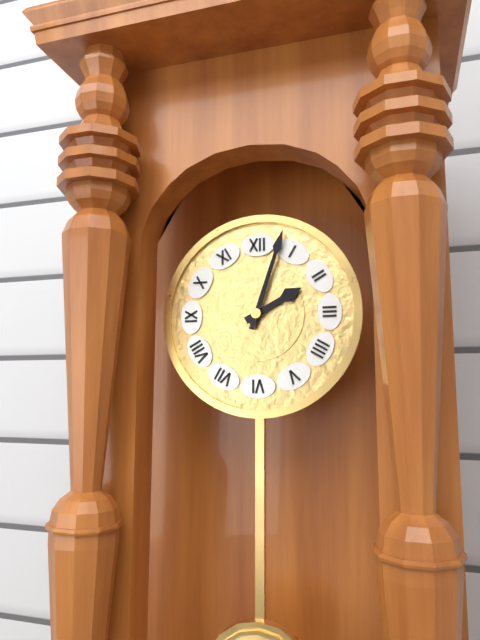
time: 2:03
